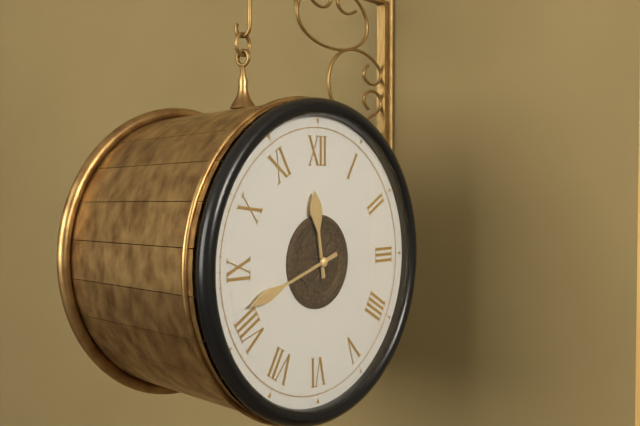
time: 11:42
